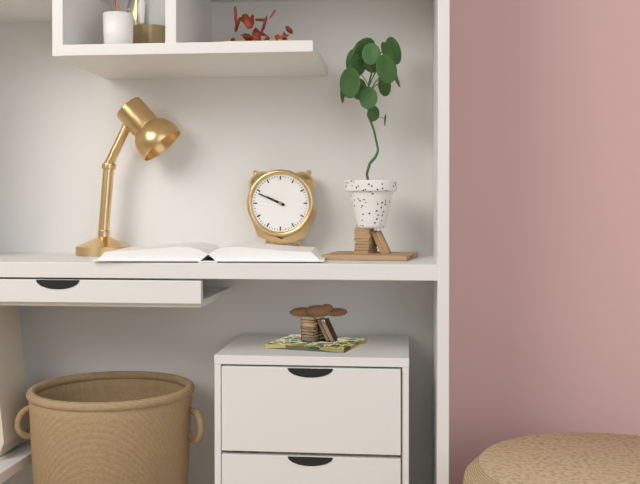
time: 9:49
